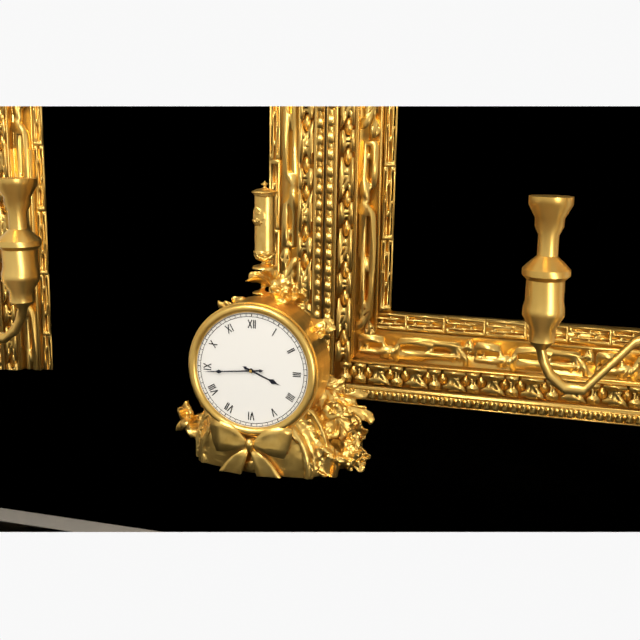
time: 3:44
